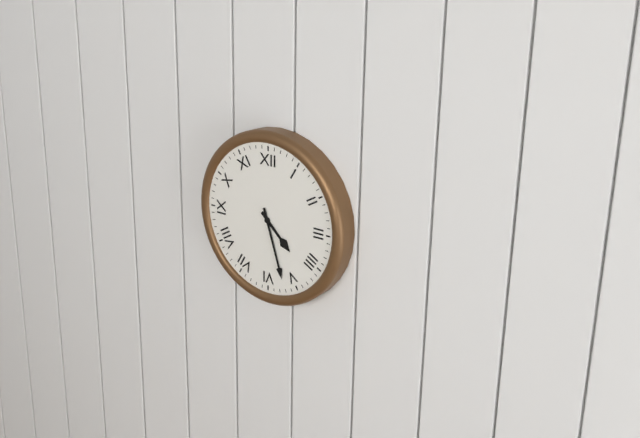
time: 4:27
